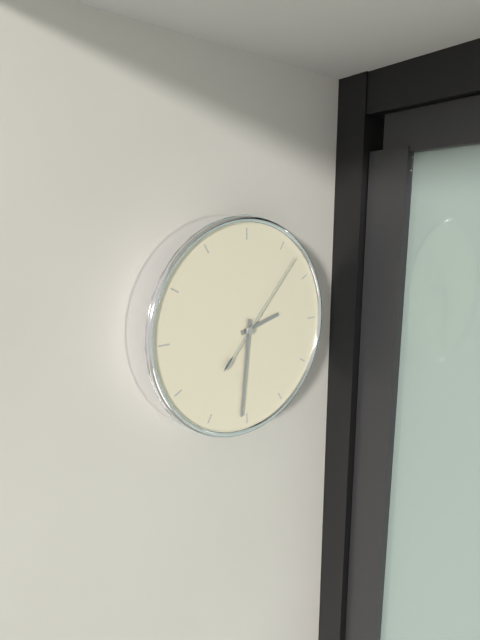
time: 2:31:07
